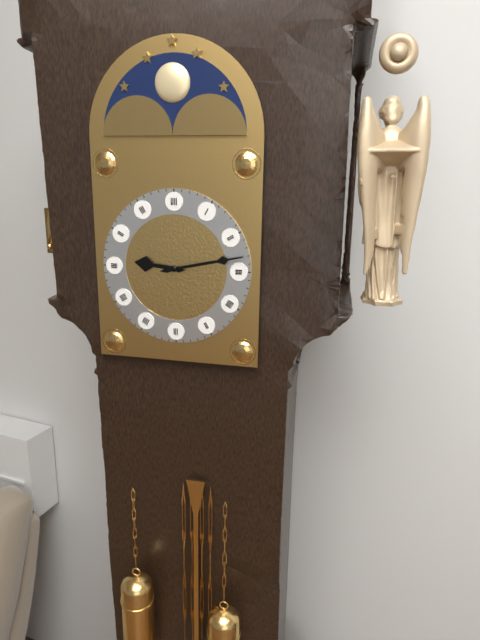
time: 9:13
